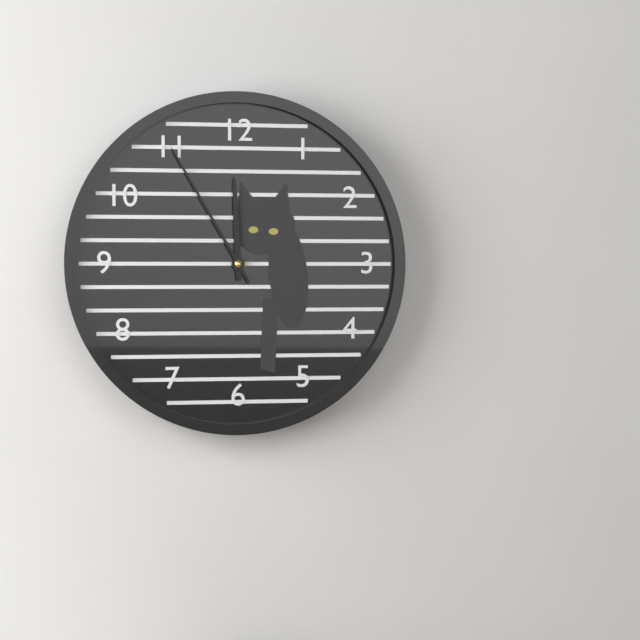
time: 11:55
